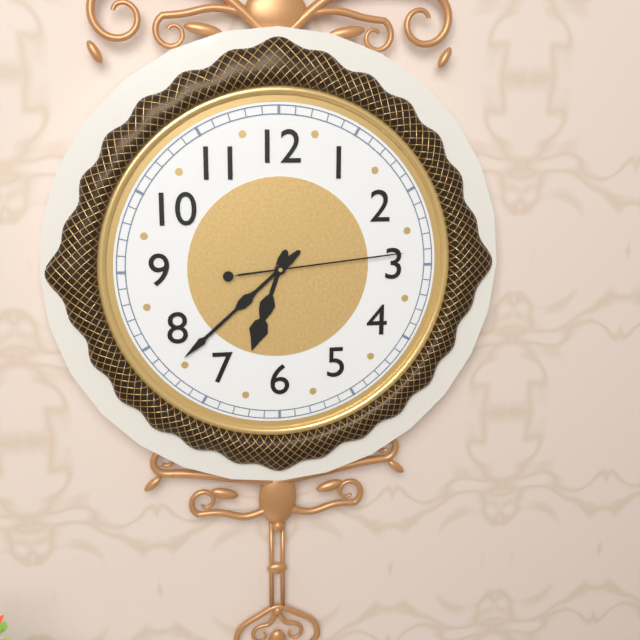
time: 6:38:14
